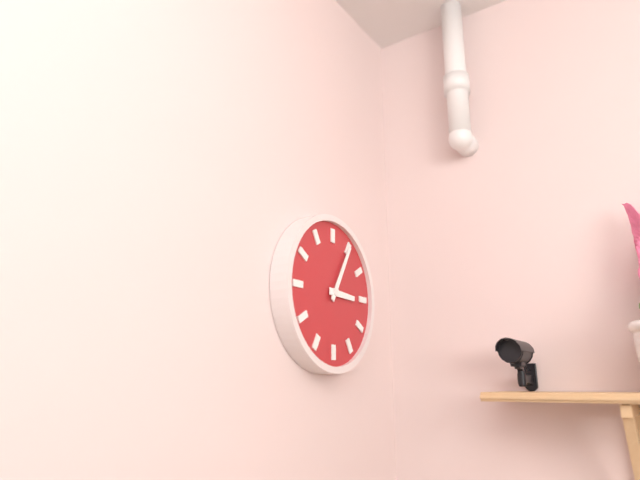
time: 3:05
